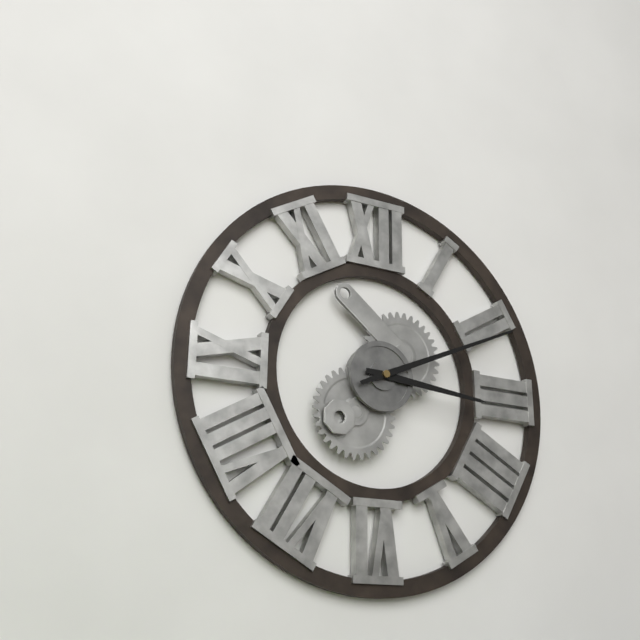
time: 3:11
